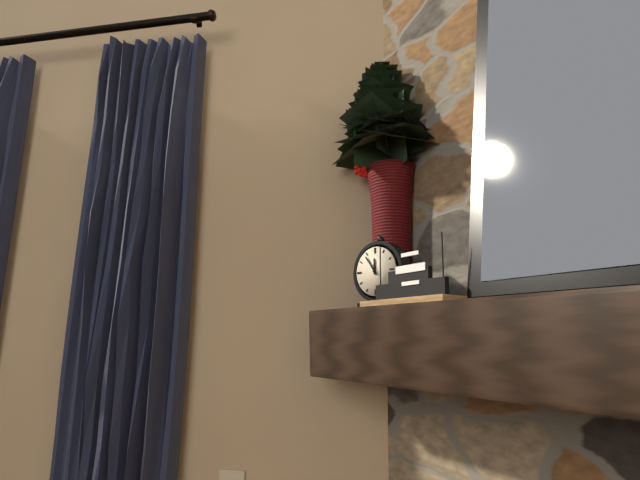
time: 11:54
